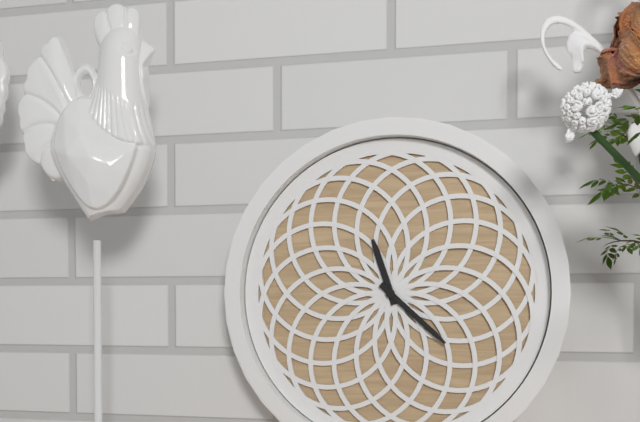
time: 11:22
